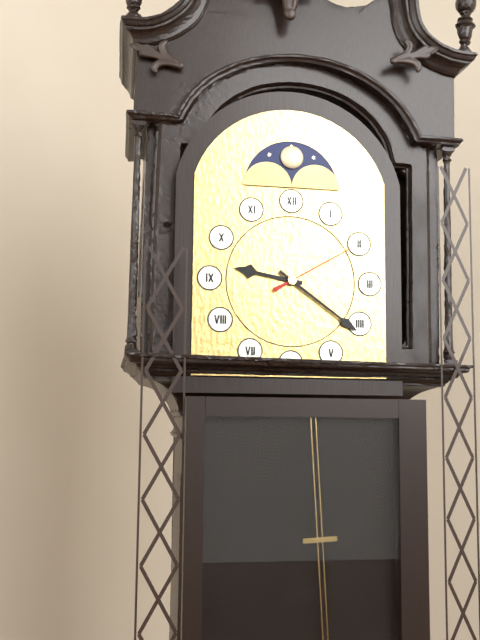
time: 9:21:10
